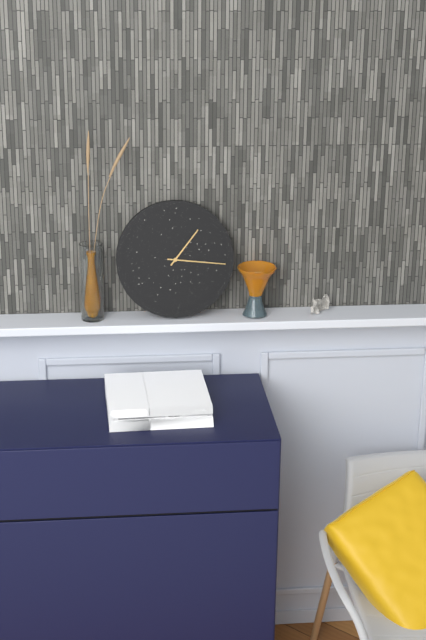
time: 1:16
